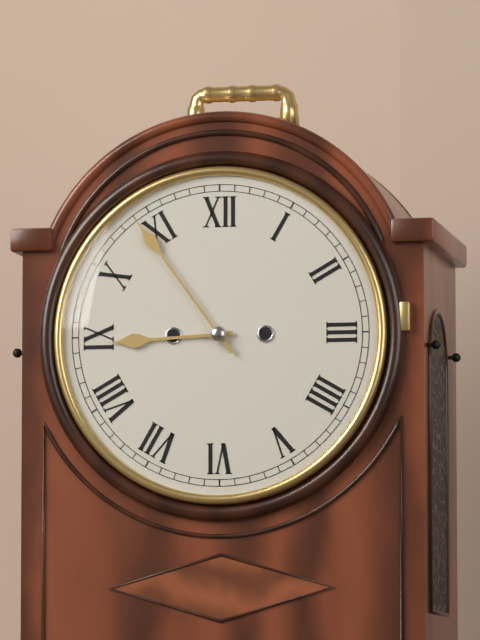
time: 8:54
